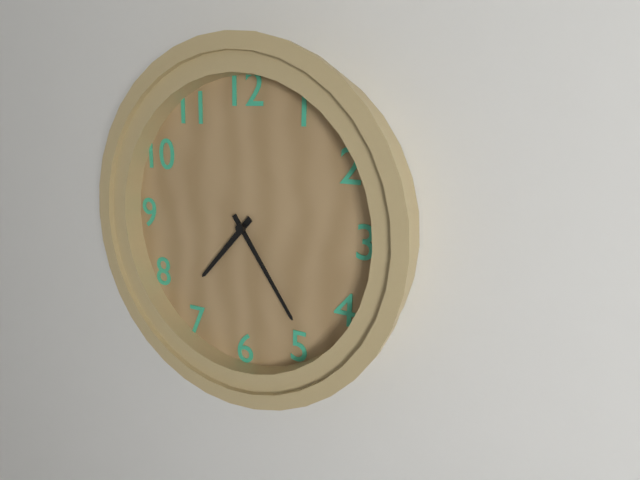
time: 7:24
